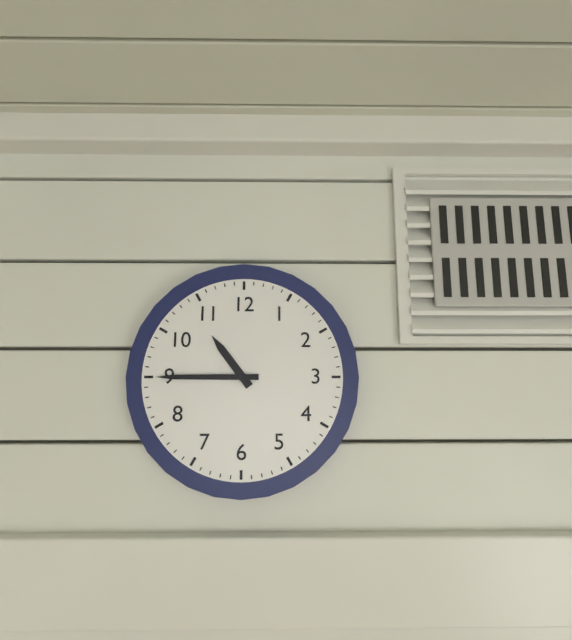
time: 10:45
